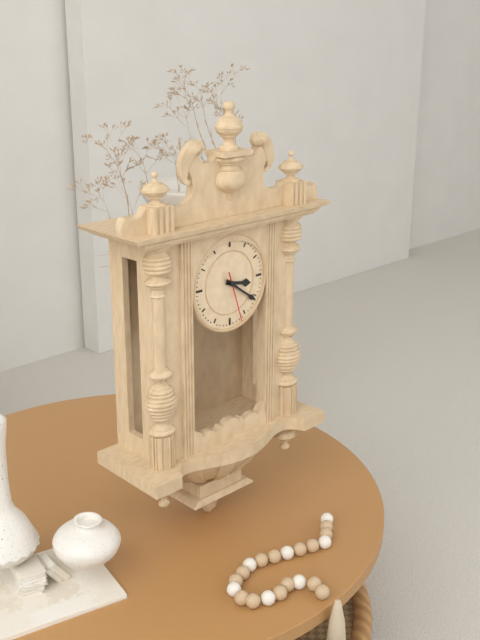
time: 3:21:27
